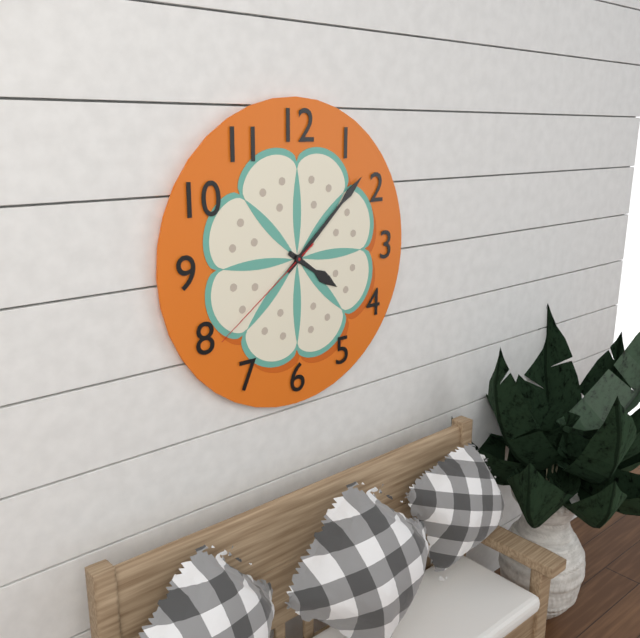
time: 4:08:39
